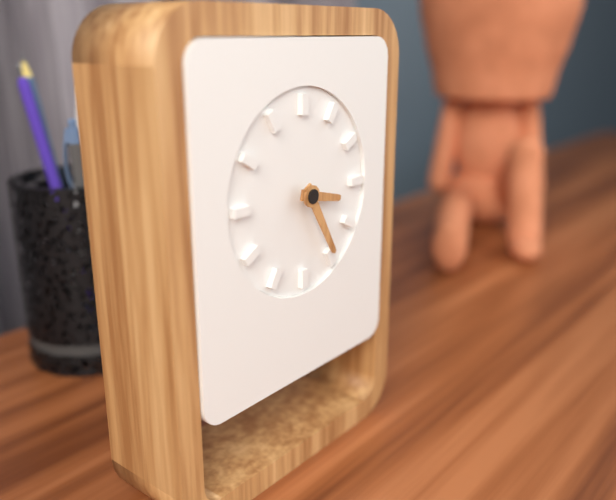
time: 3:25
